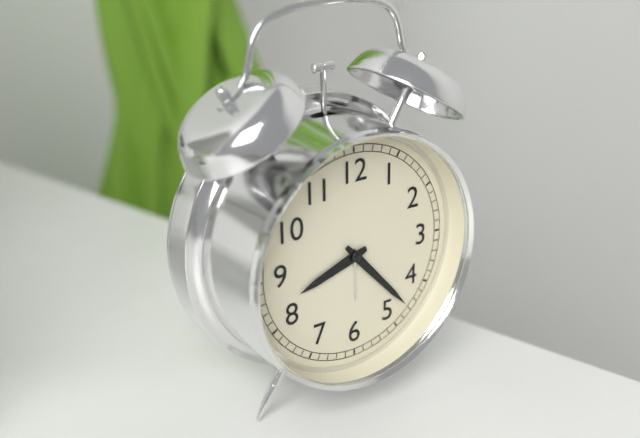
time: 8:23
